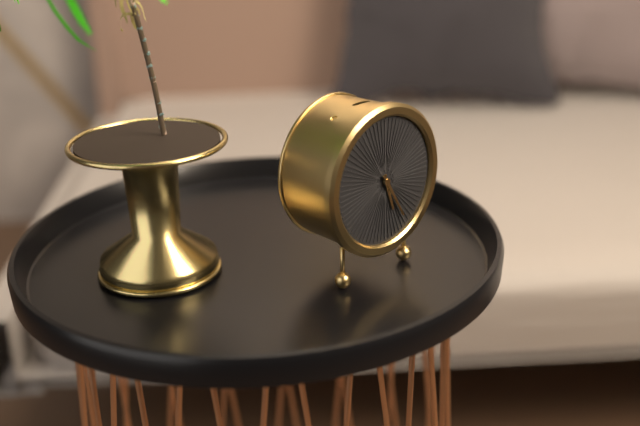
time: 5:25
